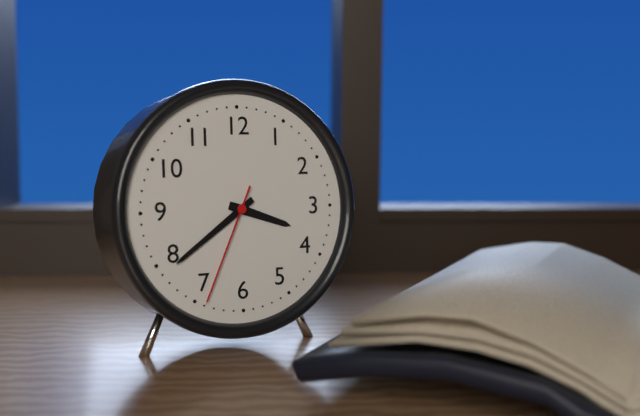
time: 3:39:34
